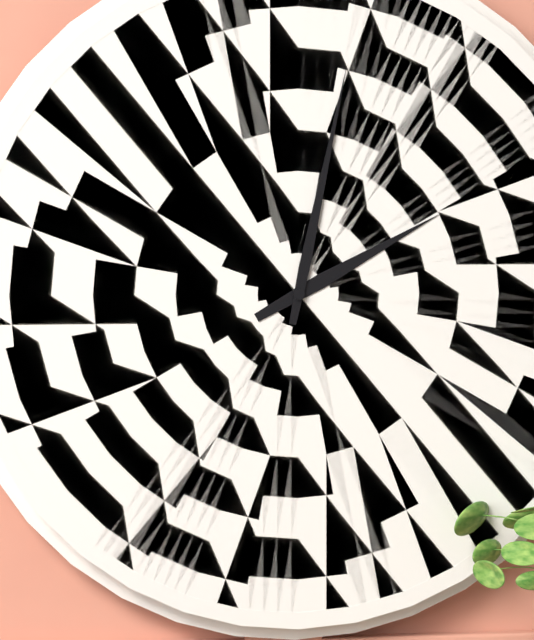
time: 2:02
